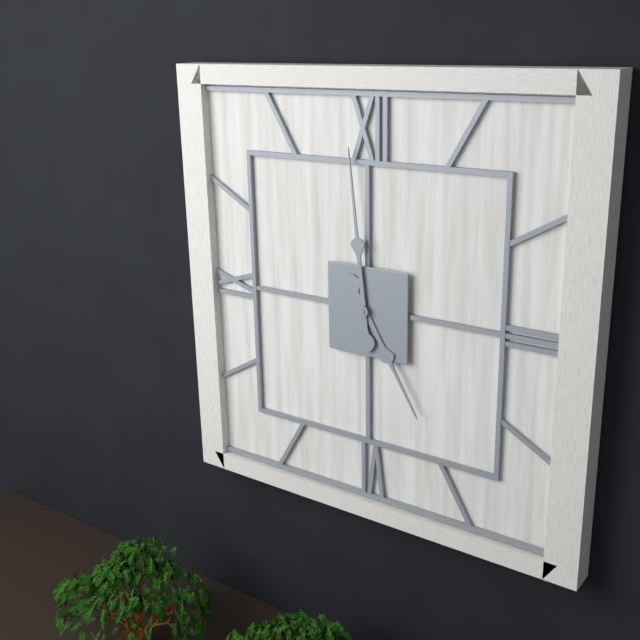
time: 4:59
